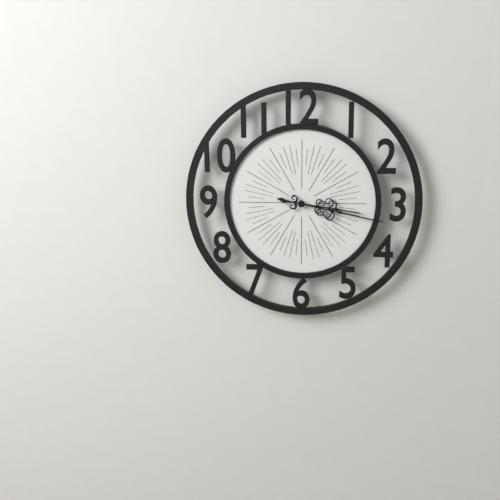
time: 3:17
